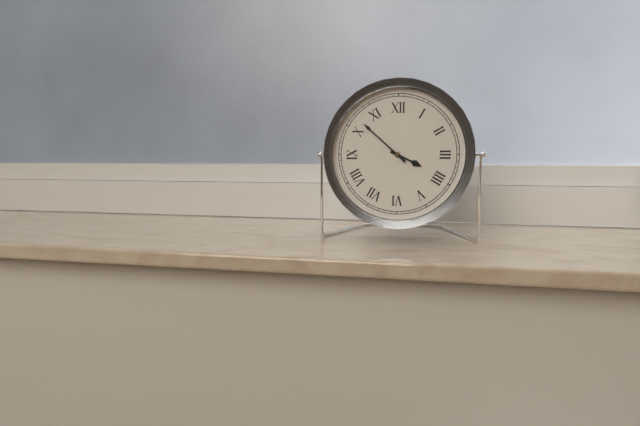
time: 3:52
